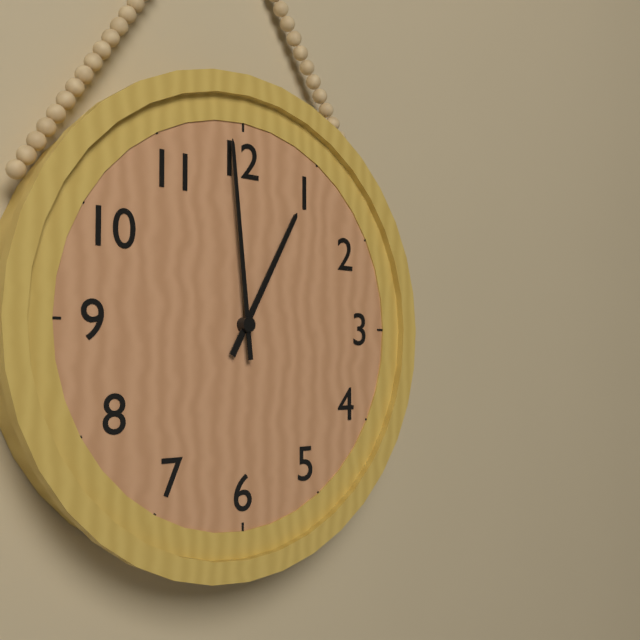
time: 12:59
